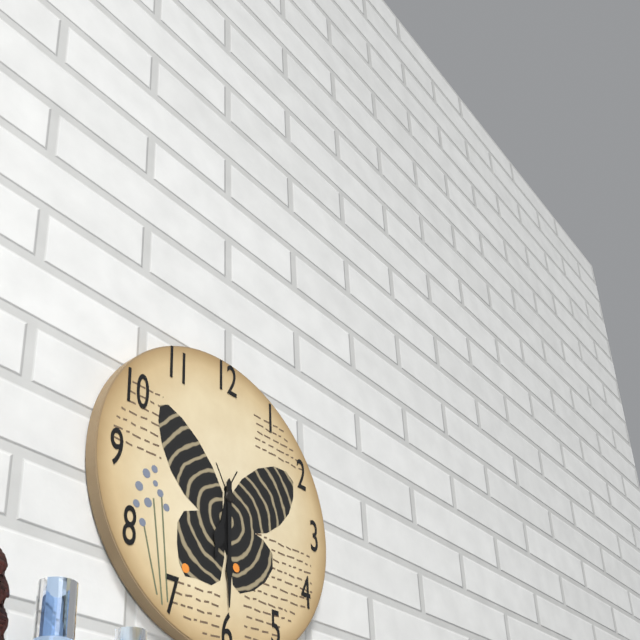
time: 6:30
